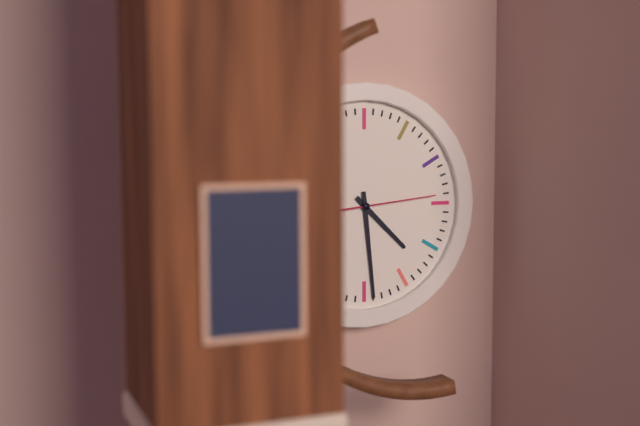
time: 4:29:14
